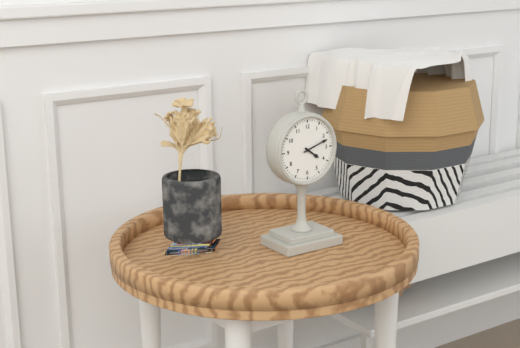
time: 4:12
